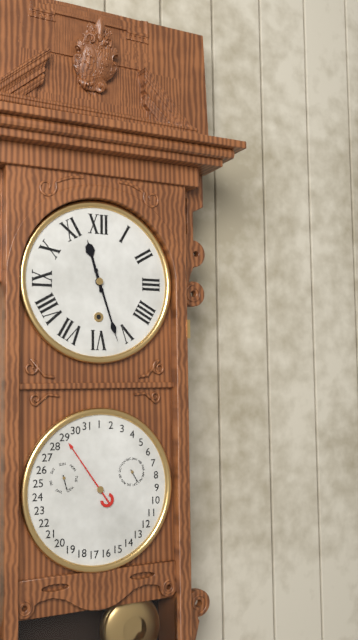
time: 11:27
